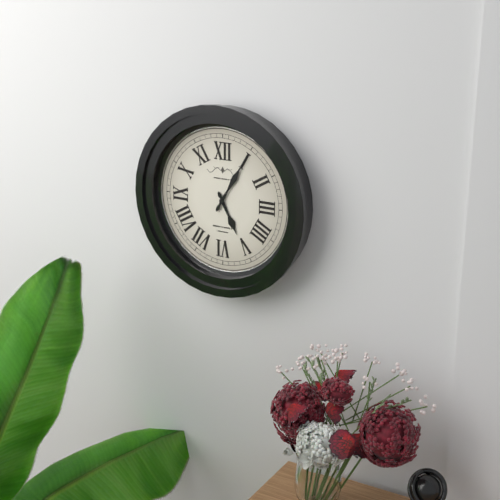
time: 5:05
